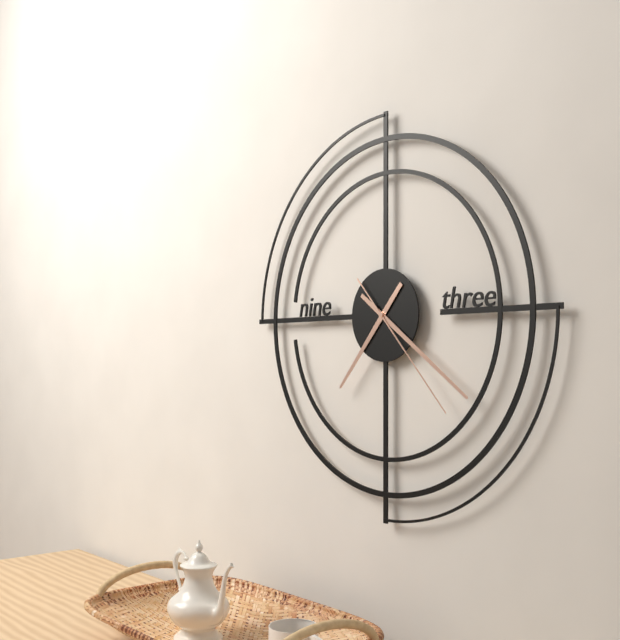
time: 7:21:23
